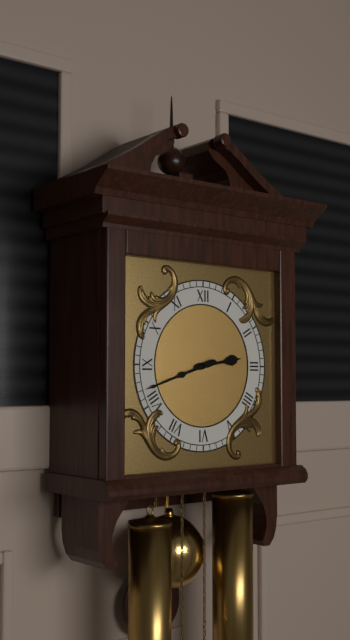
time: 2:42
